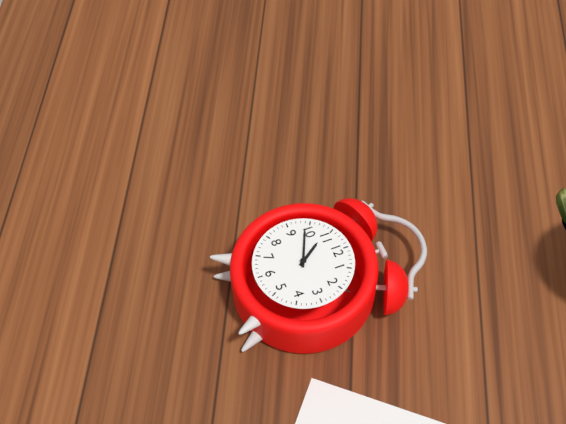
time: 10:49
